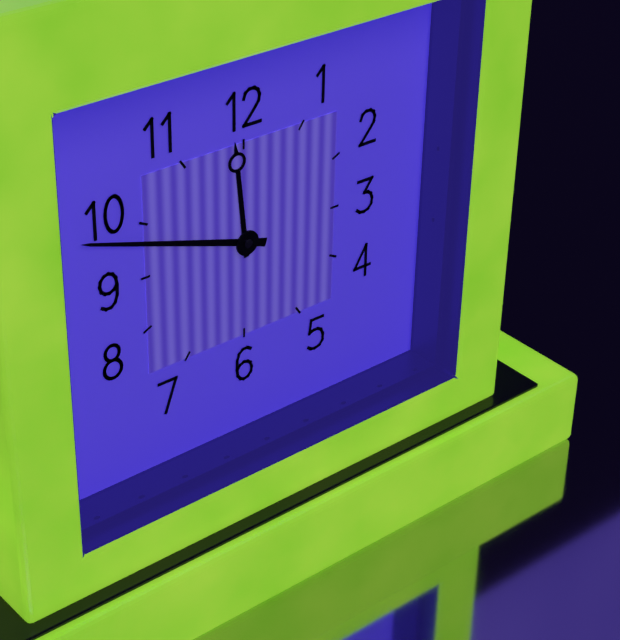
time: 11:48
